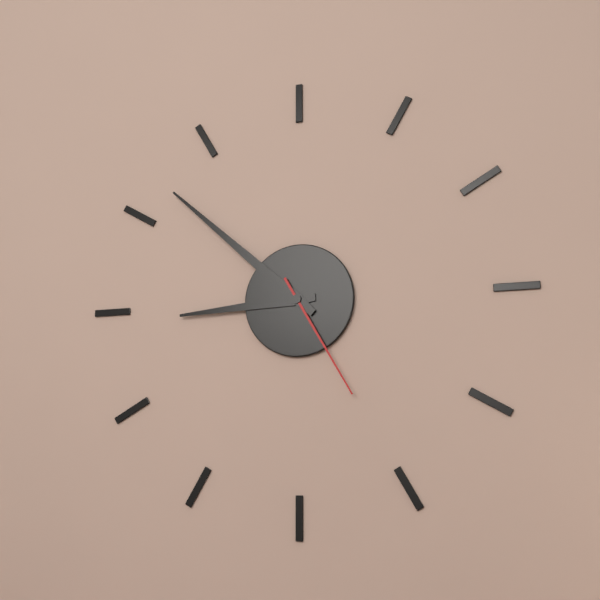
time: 8:52:25
